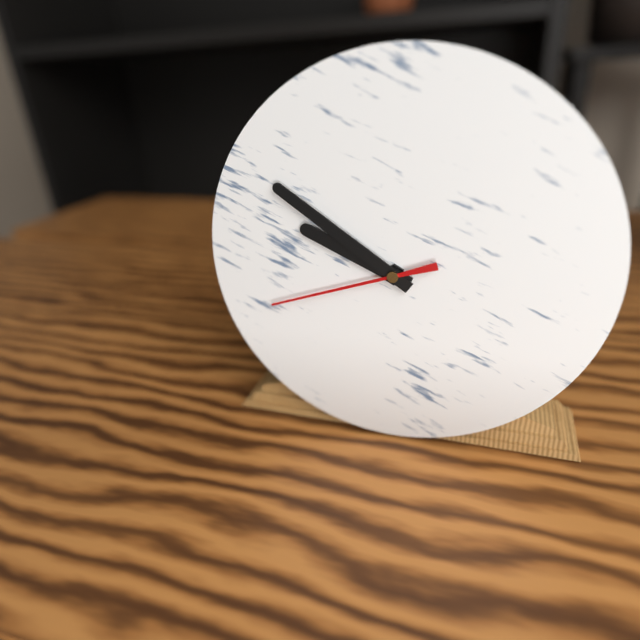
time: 9:51:42
